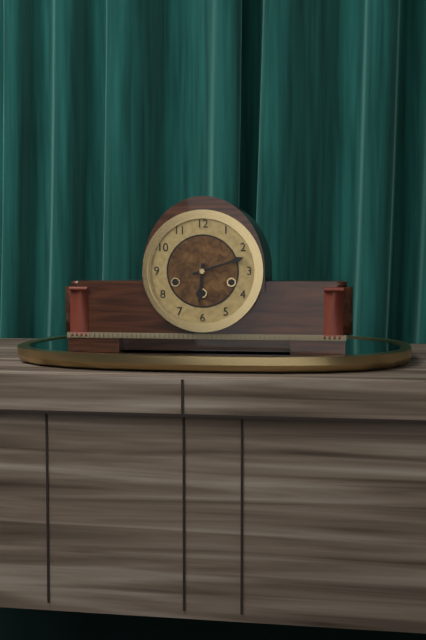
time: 6:12
